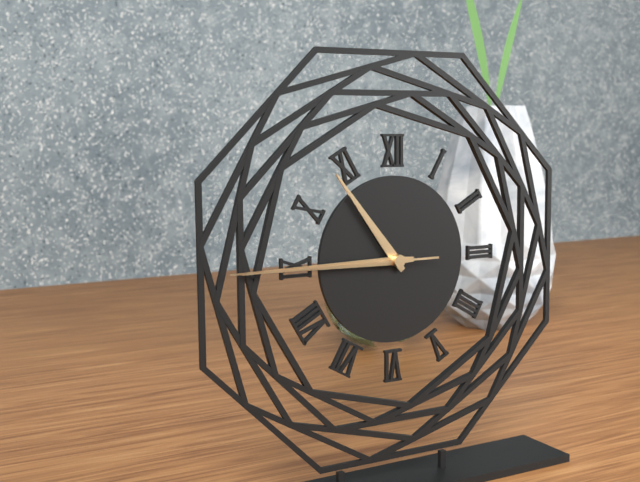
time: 10:45:45
